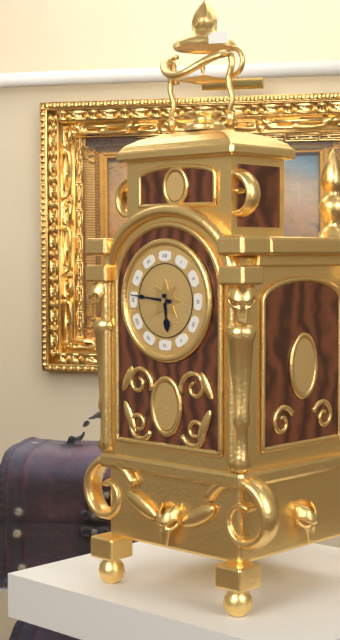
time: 5:46
